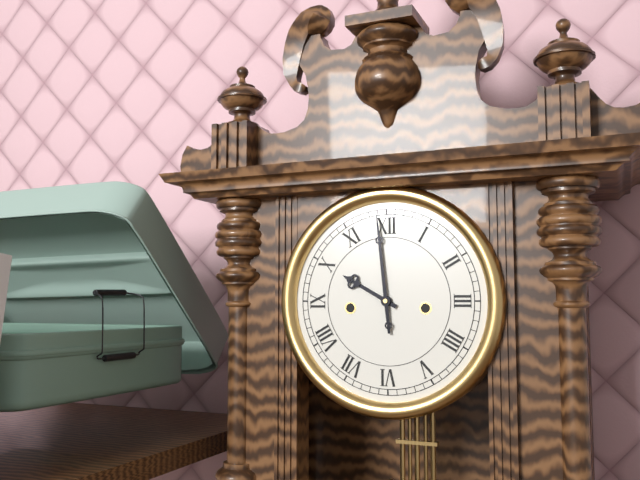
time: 9:59
